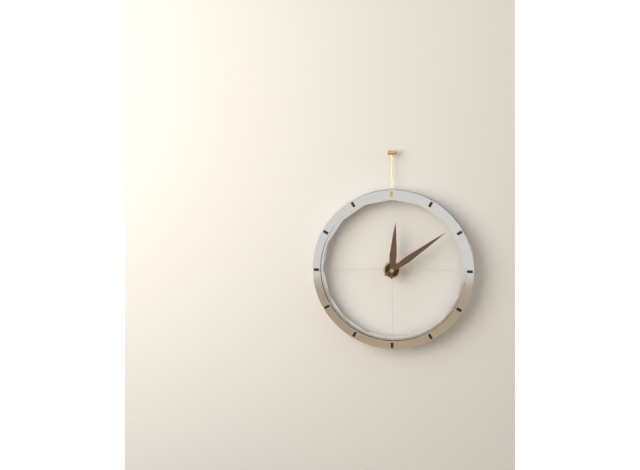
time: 12:09
